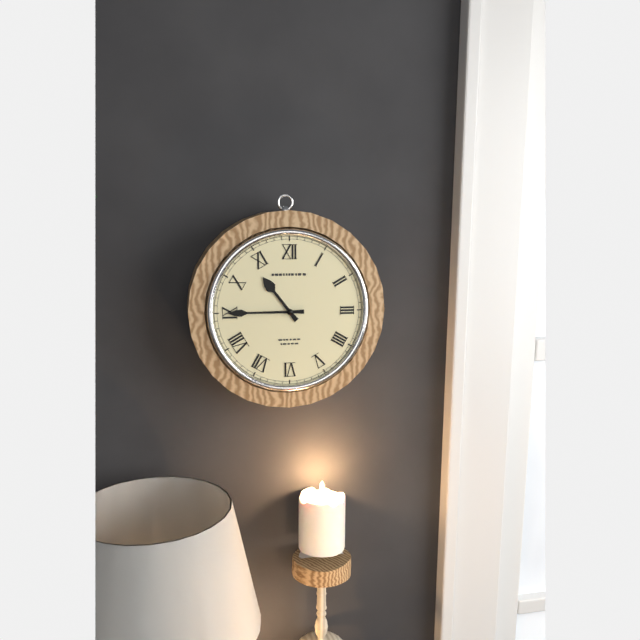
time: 10:45
